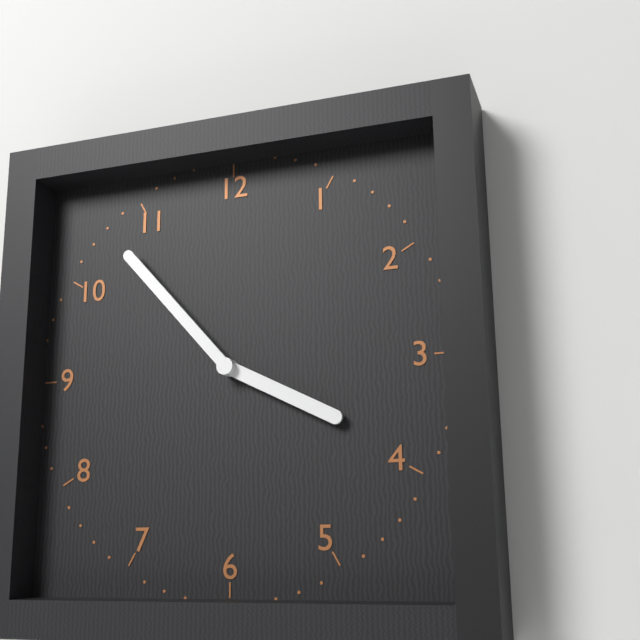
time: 3:53
